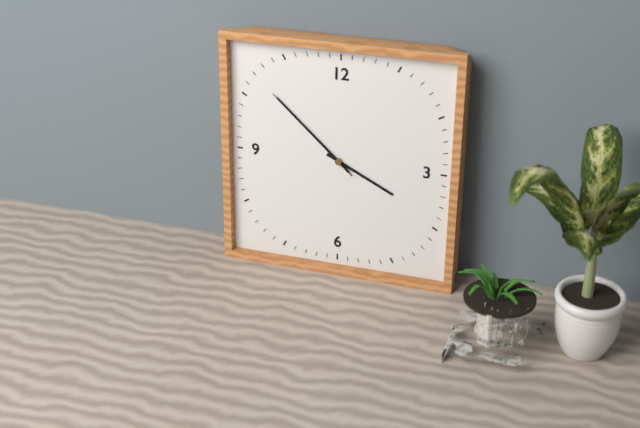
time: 3:52:52
